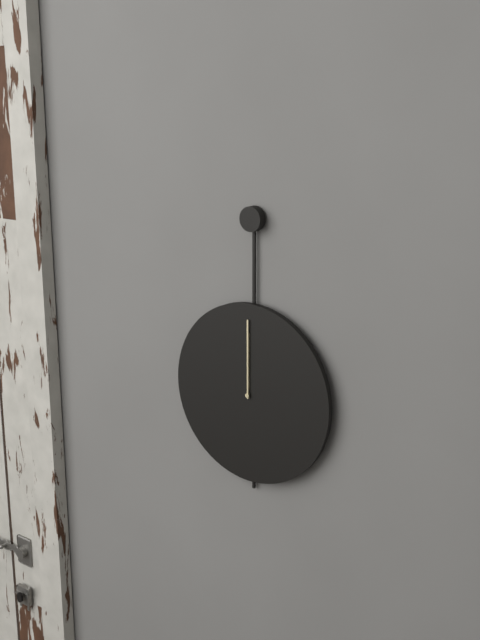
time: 12:00
